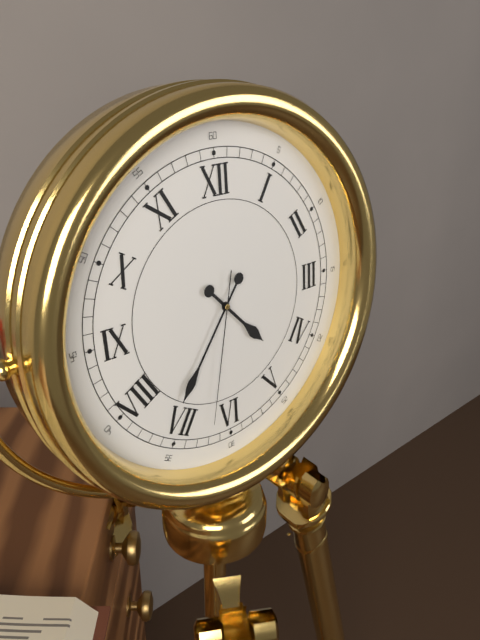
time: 4:36:32
